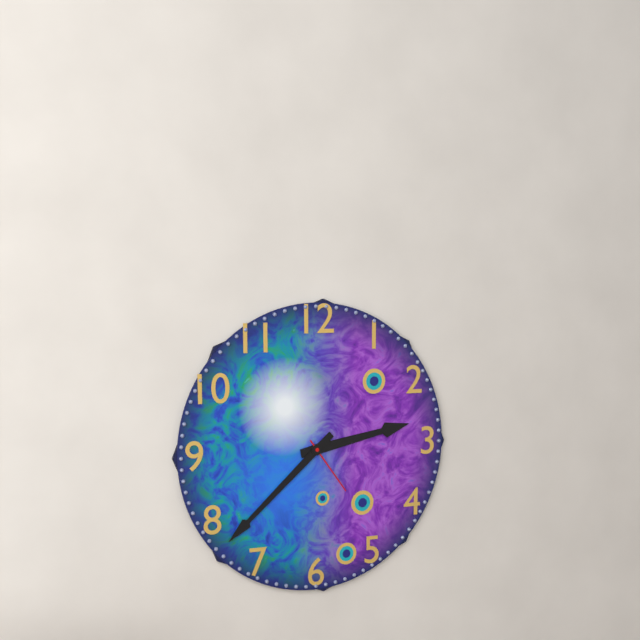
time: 2:38:24
